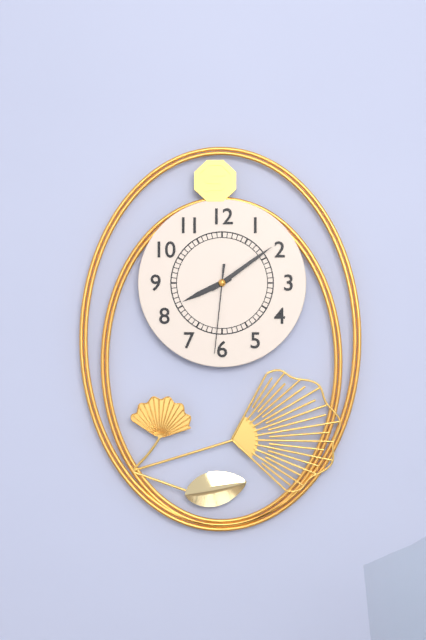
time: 8:09:31
